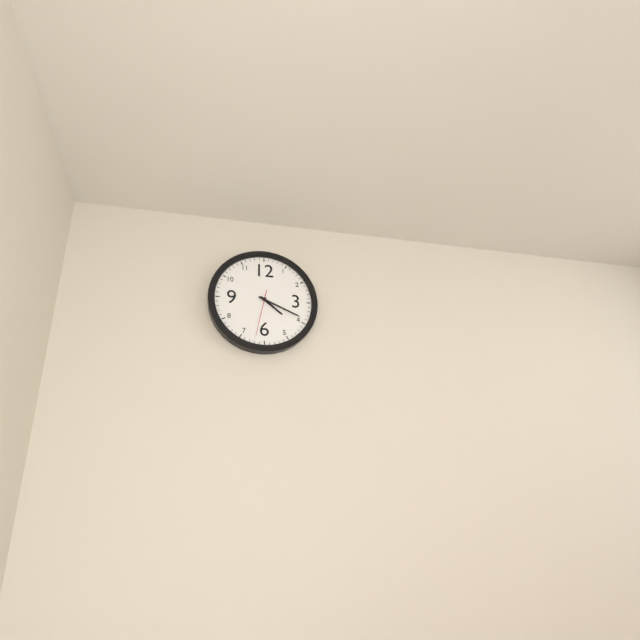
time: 4:19
